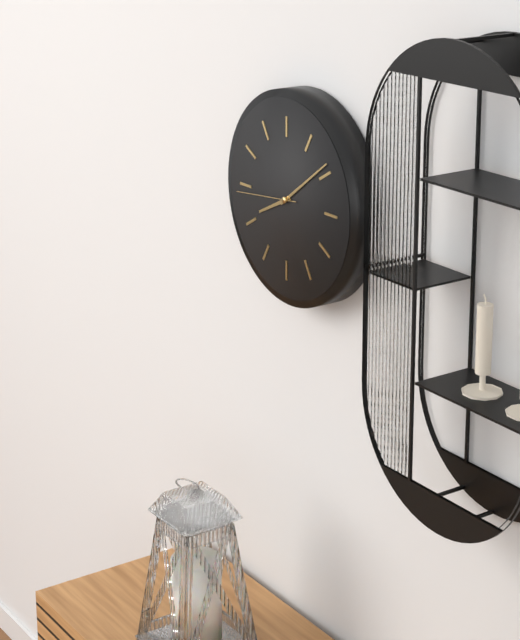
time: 8:09:44
